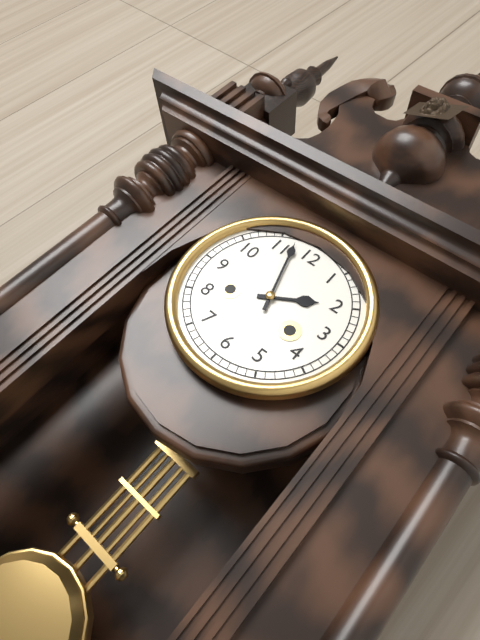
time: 1:57
